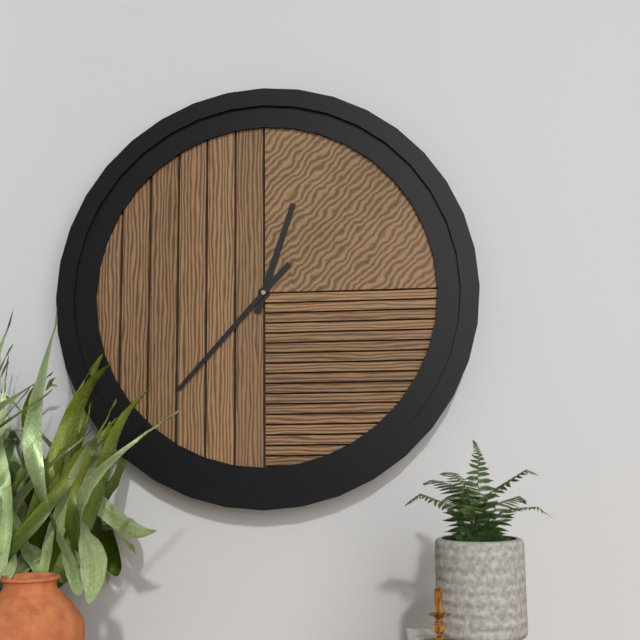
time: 12:37
